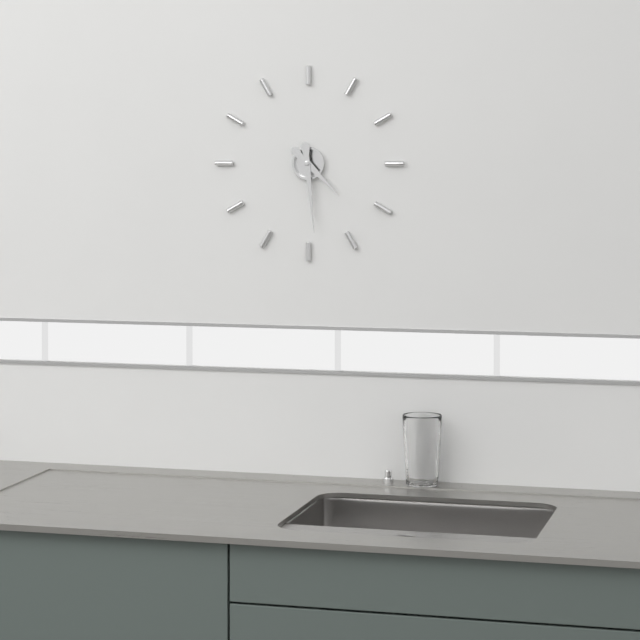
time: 4:29
